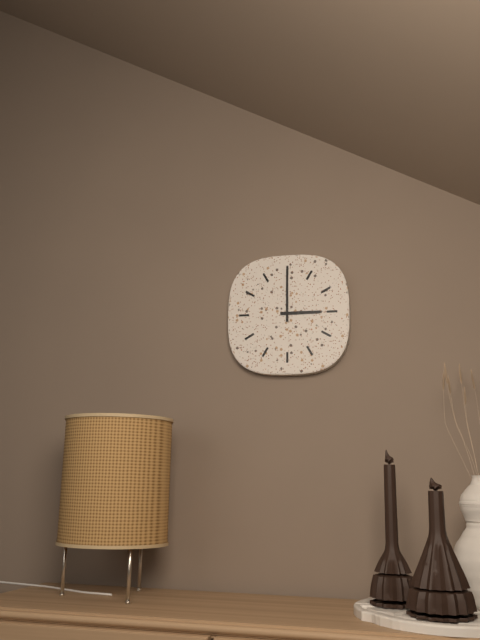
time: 3:00
